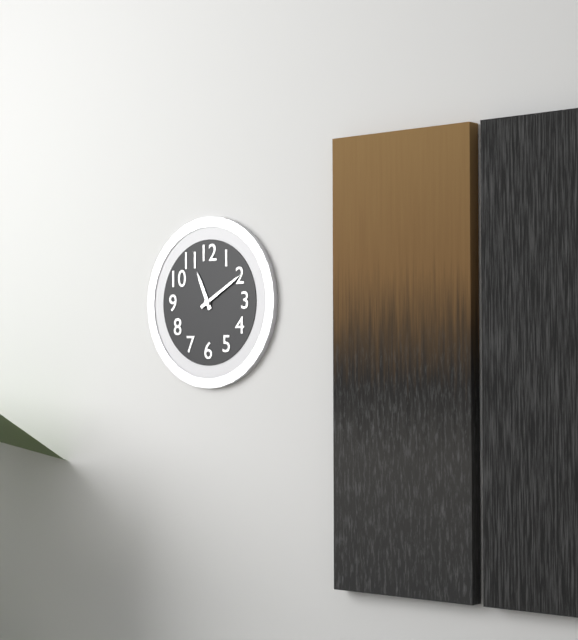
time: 11:10
